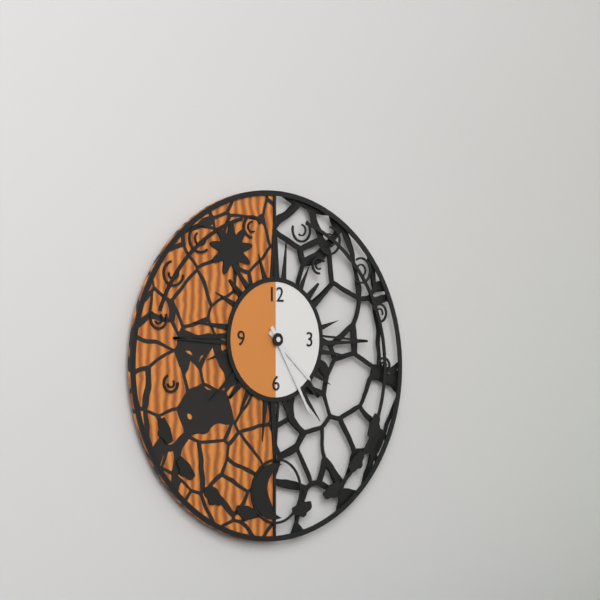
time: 4:25
